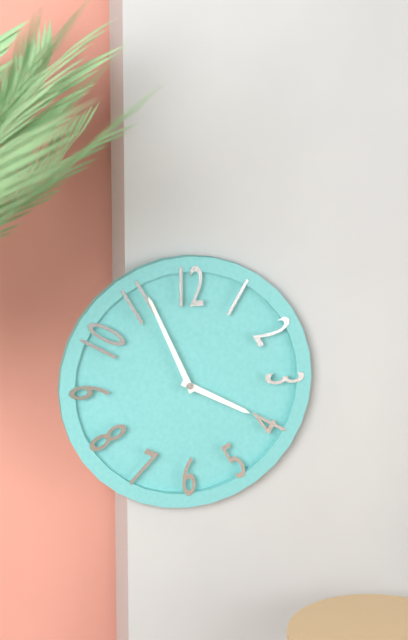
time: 3:56
